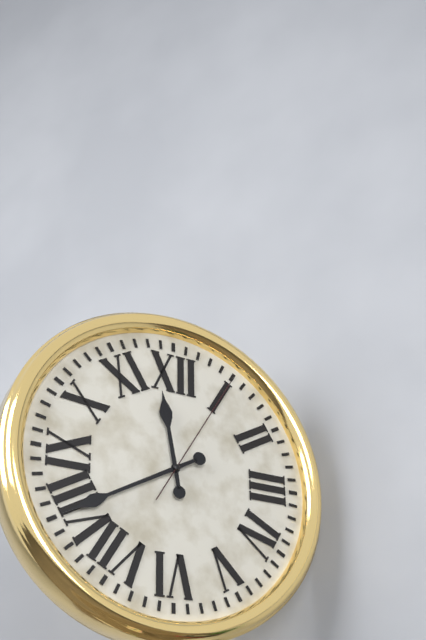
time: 11:40:05
